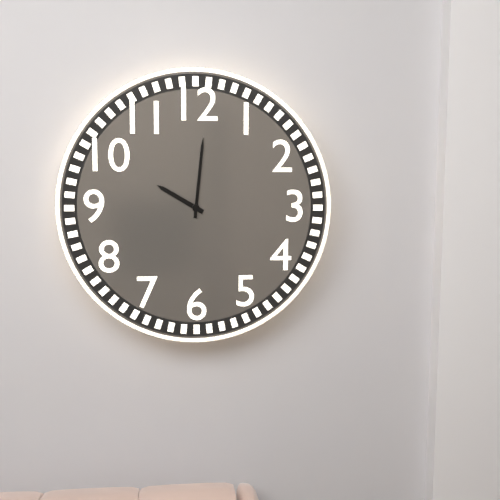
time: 10:01
